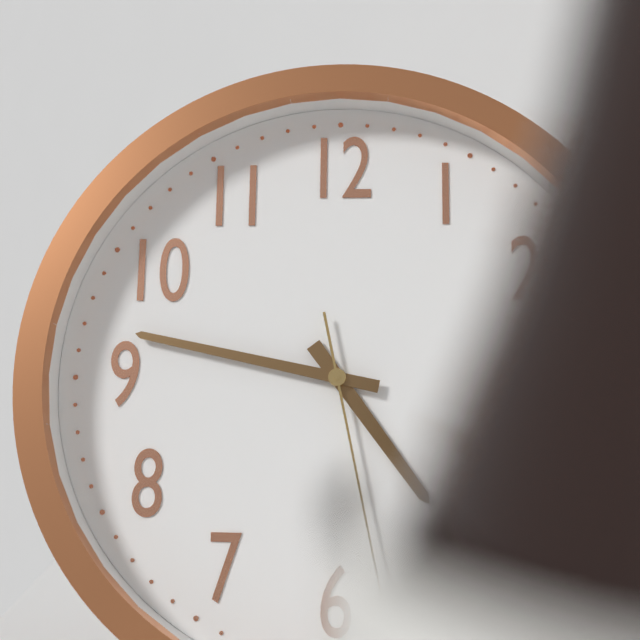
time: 4:47:28
